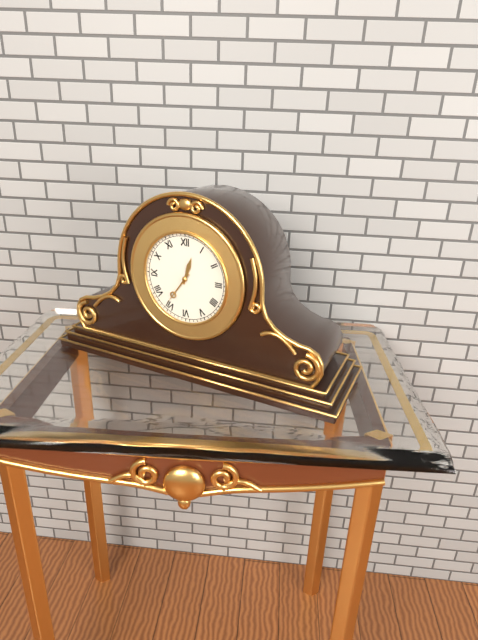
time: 12:36
